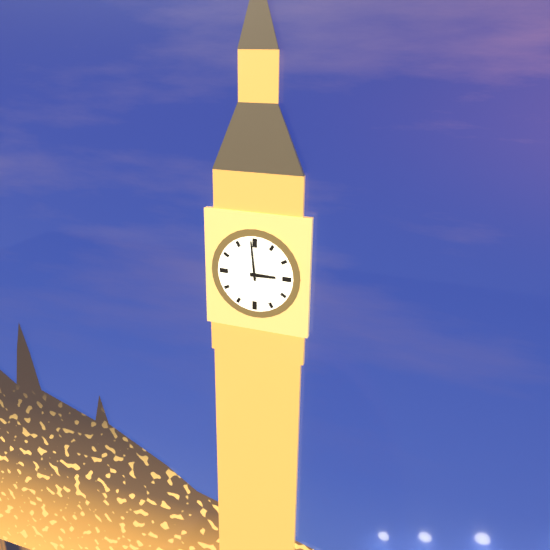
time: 2:59
